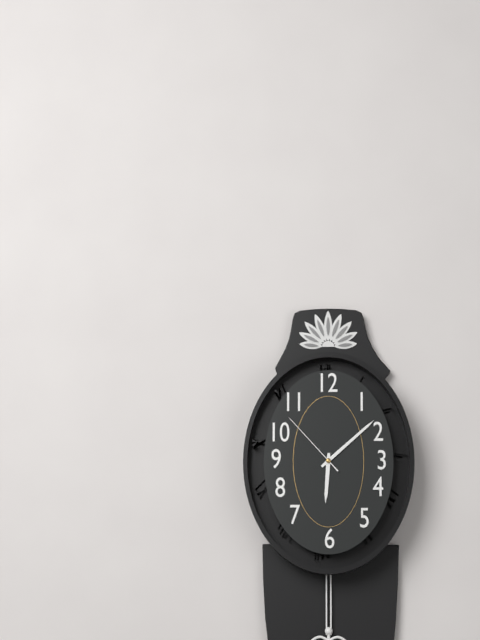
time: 6:08:53
